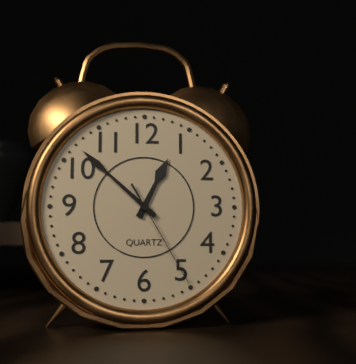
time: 12:52:25
